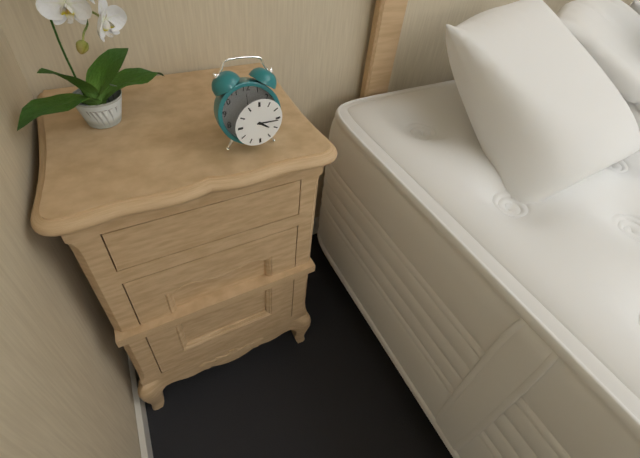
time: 4:16
